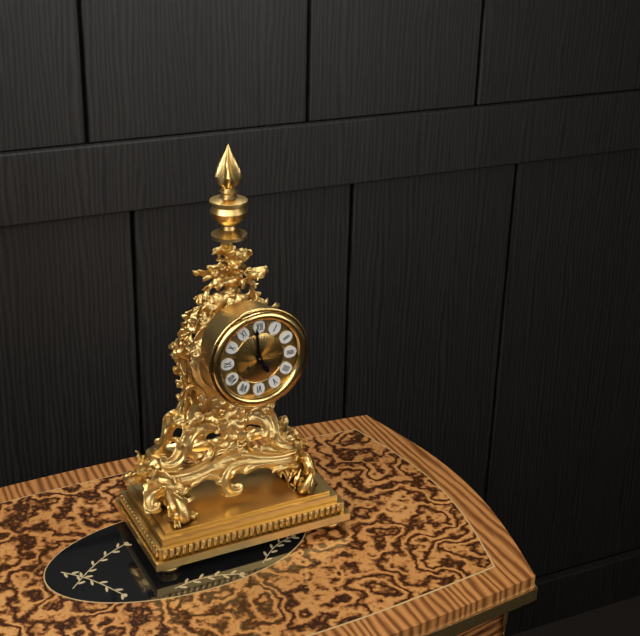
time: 4:59
